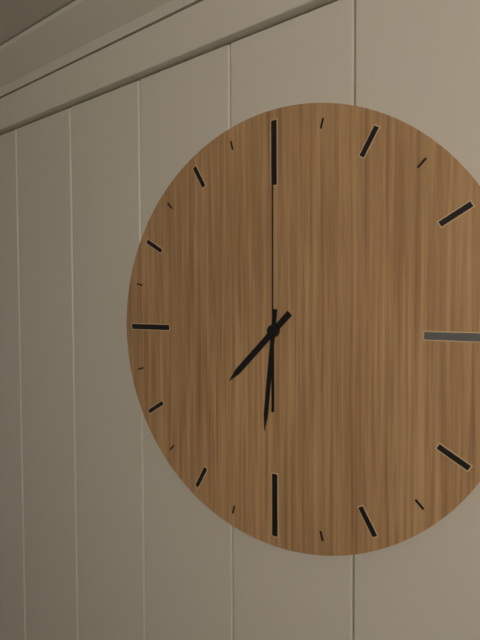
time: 7:31:00
